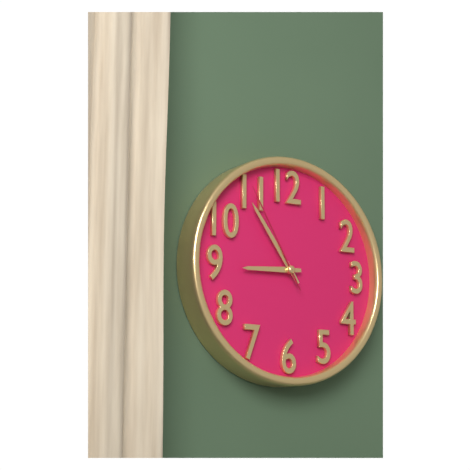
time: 8:54:55
